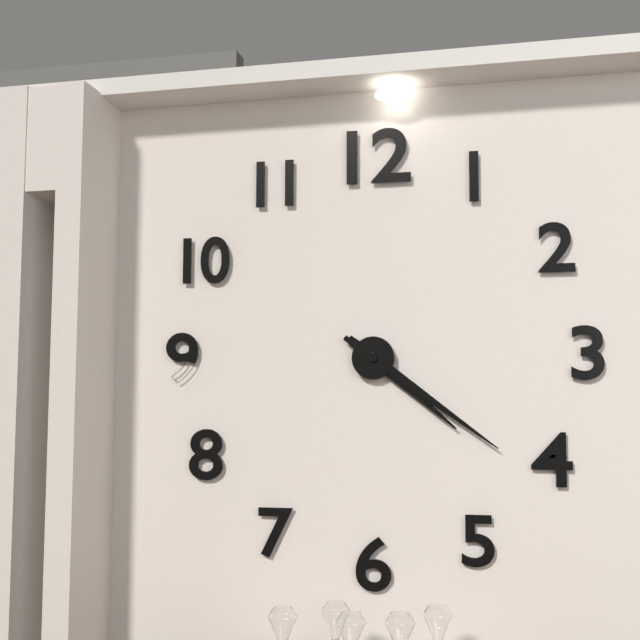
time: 4:21
